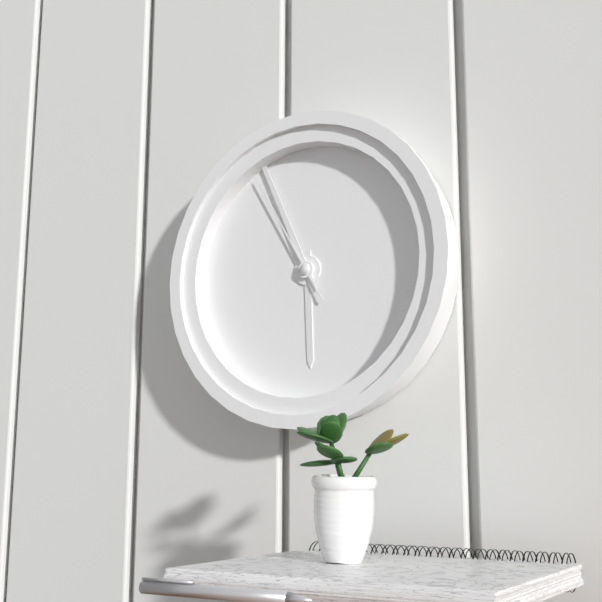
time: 5:56:55
